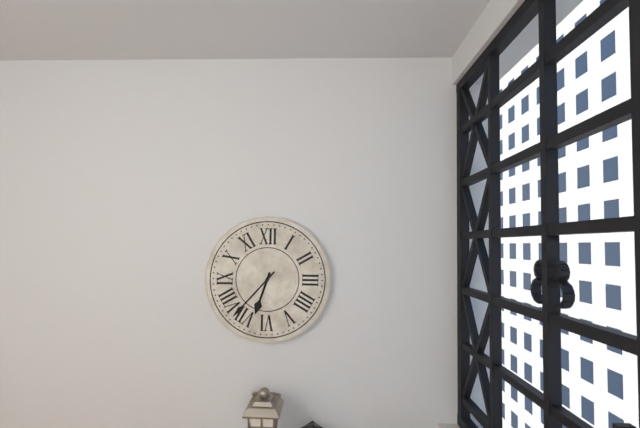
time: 6:37
